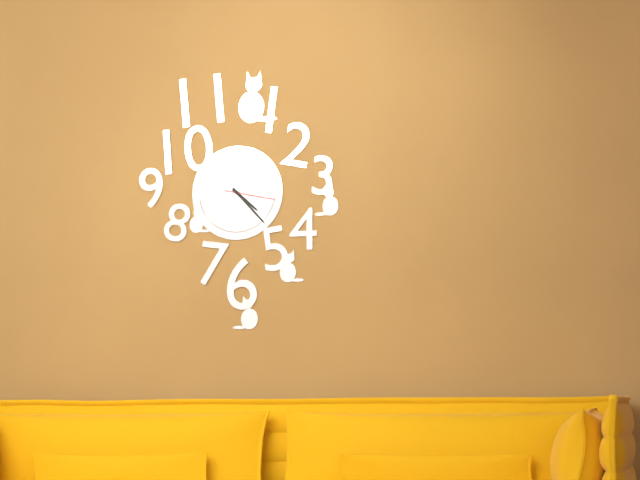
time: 4:23
